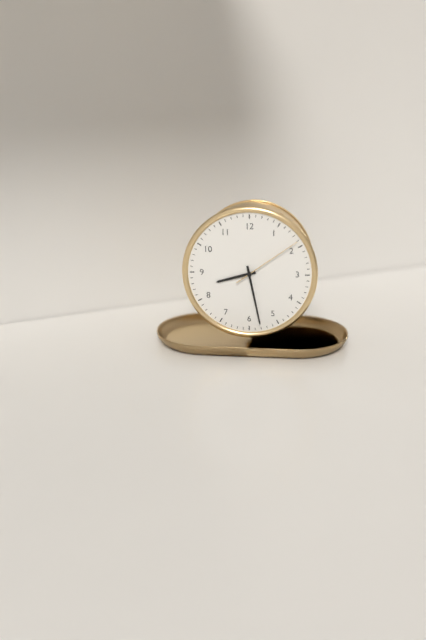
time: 8:28:09
